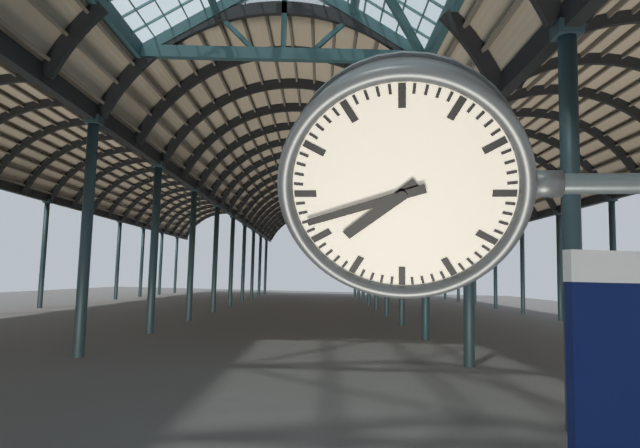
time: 7:42
